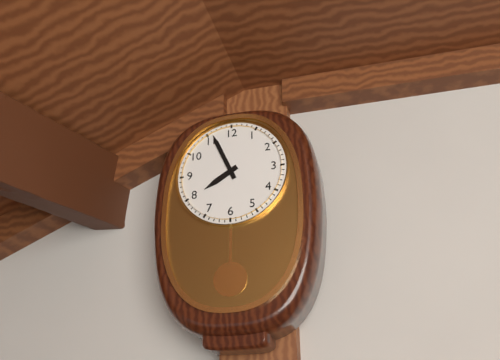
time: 7:56
